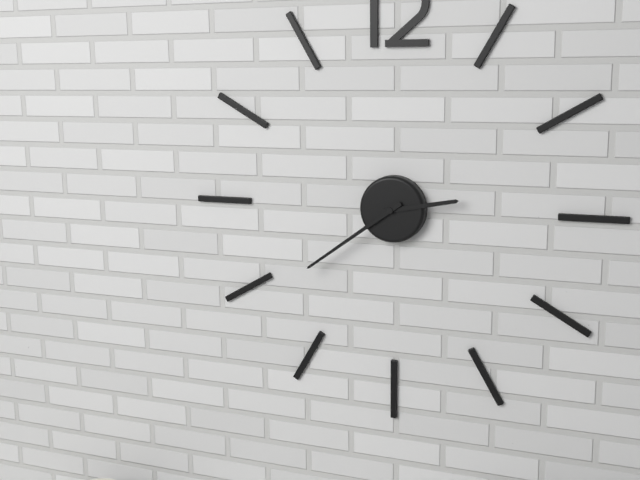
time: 2:39
